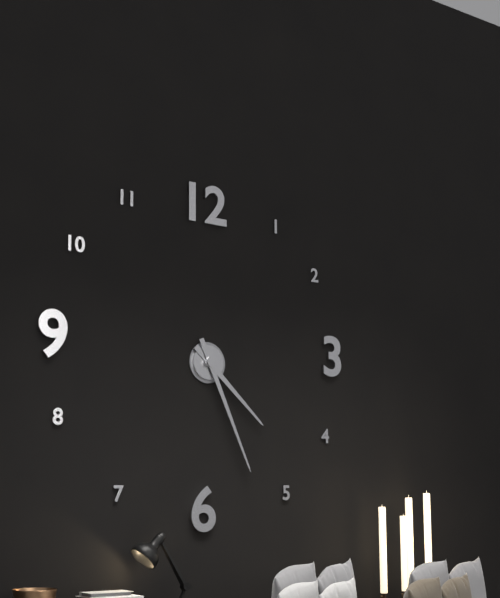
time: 4:26
